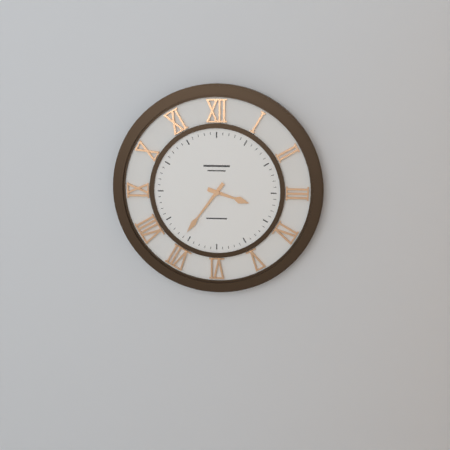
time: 3:36
